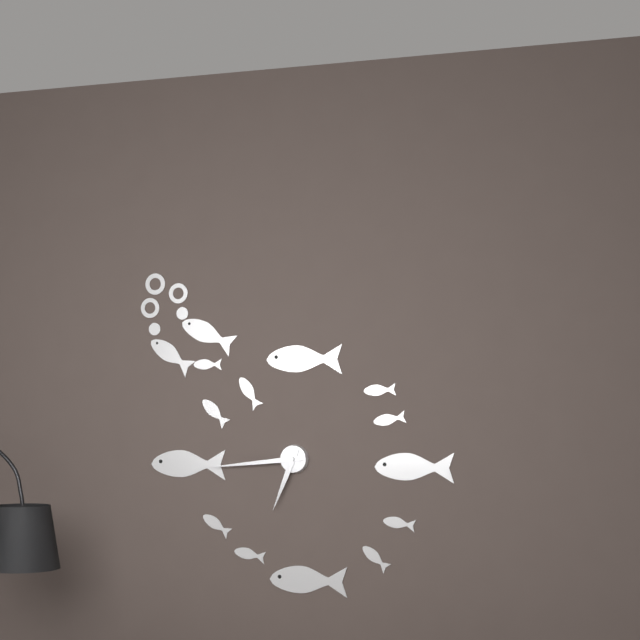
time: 6:44
